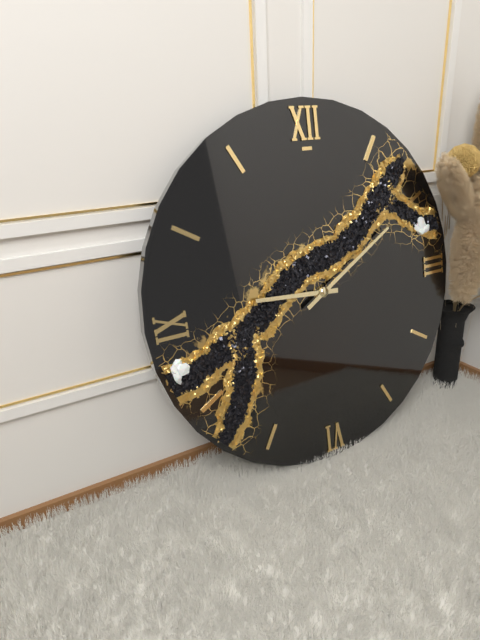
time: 9:10
